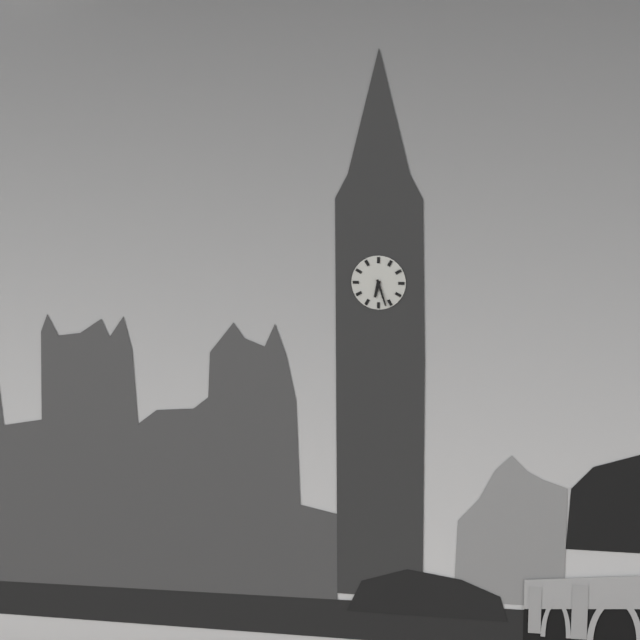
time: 6:27
